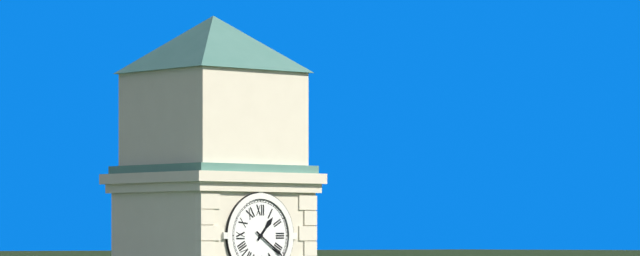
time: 1:21
